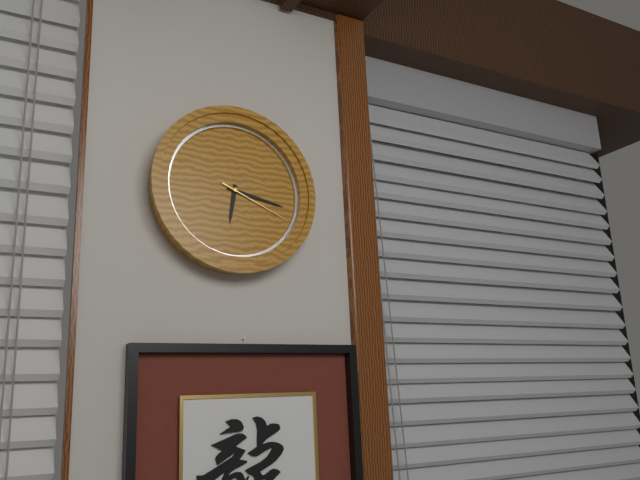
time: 6:17:19
